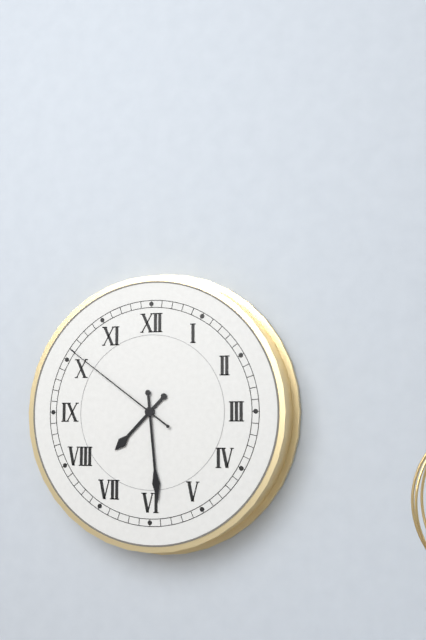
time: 7:29:51
